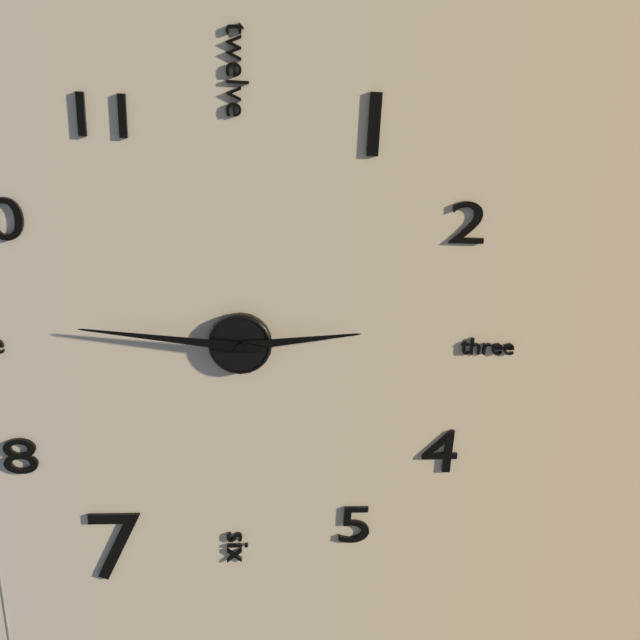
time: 2:46
